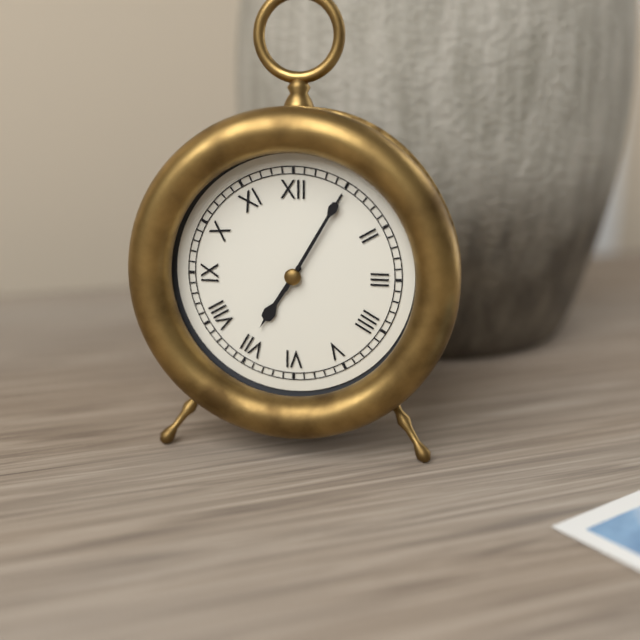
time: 7:05
